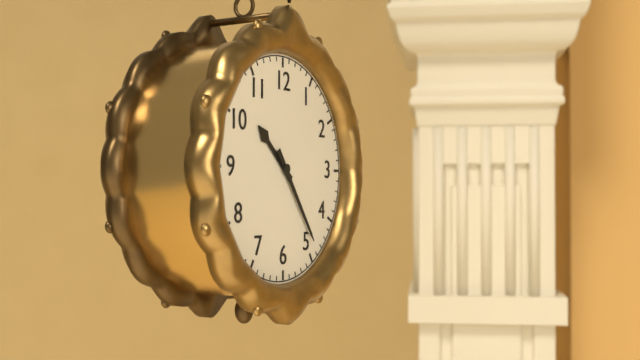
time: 10:24
